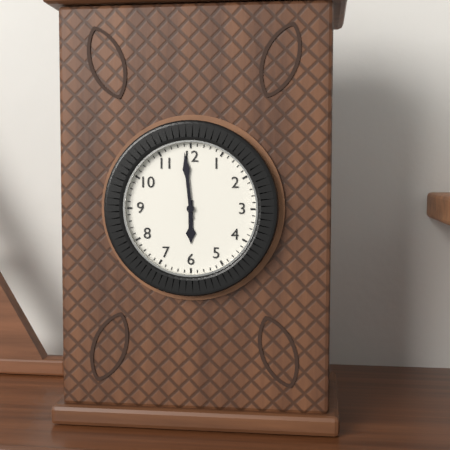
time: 5:59
